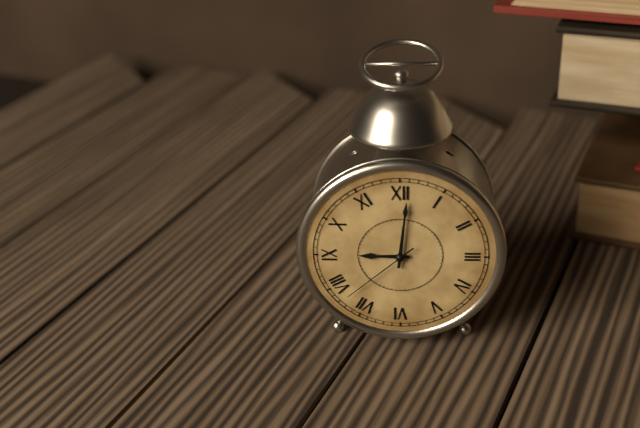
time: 9:01:38
